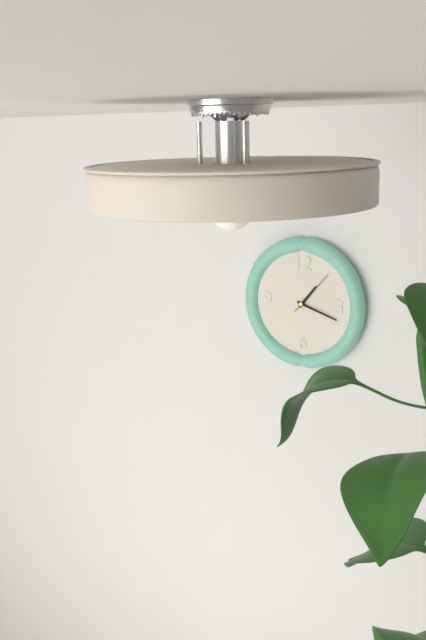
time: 1:18
